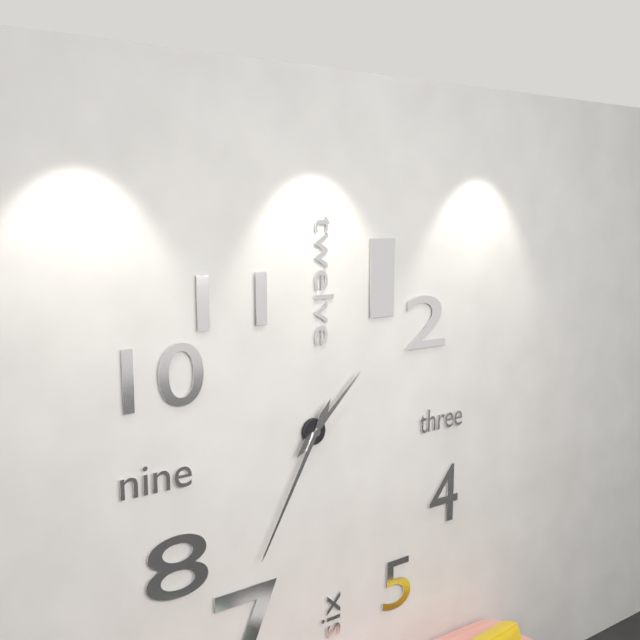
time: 1:35
